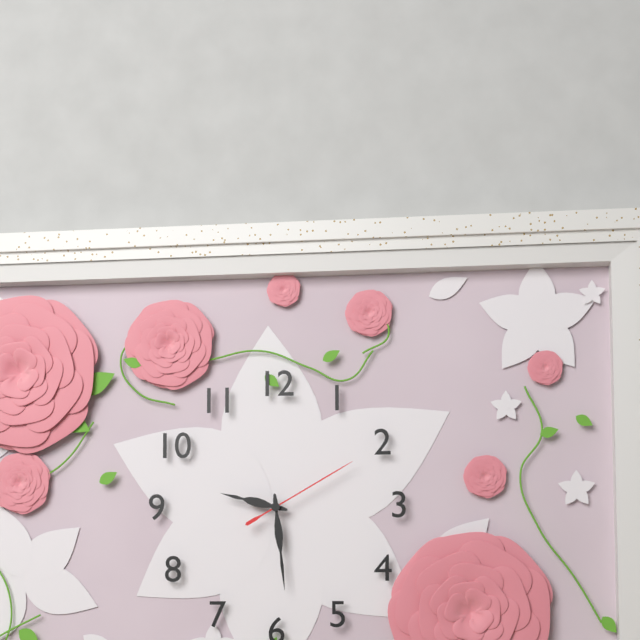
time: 9:29:10
